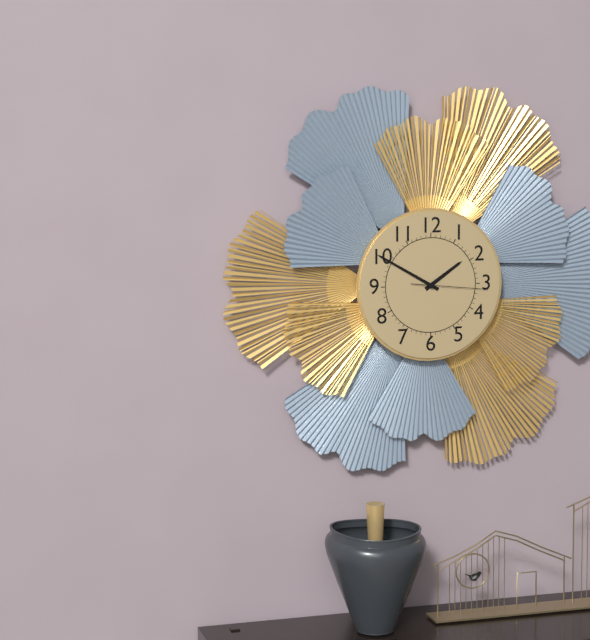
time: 1:50:16
